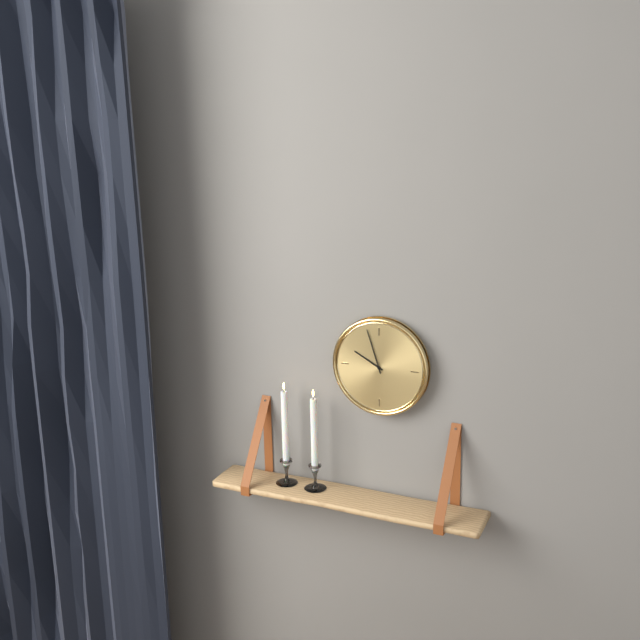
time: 9:57
